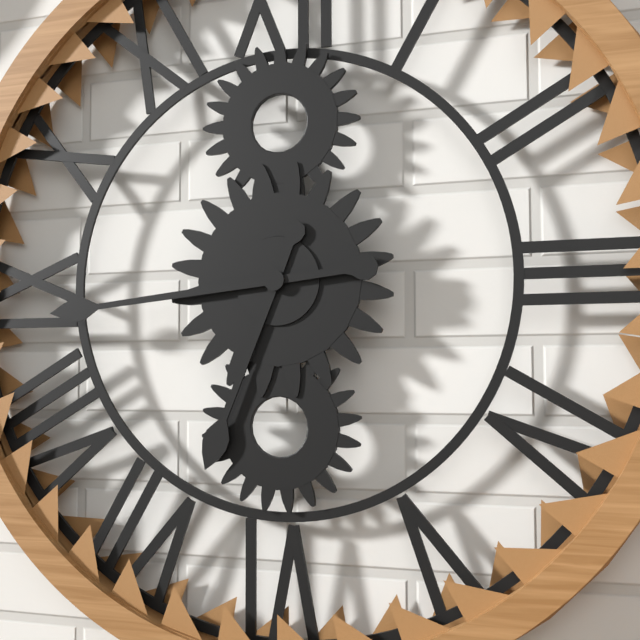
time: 6:44
